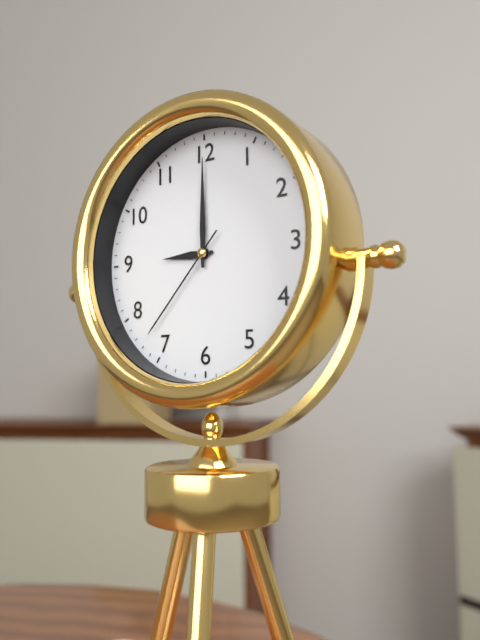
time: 9:00:37
